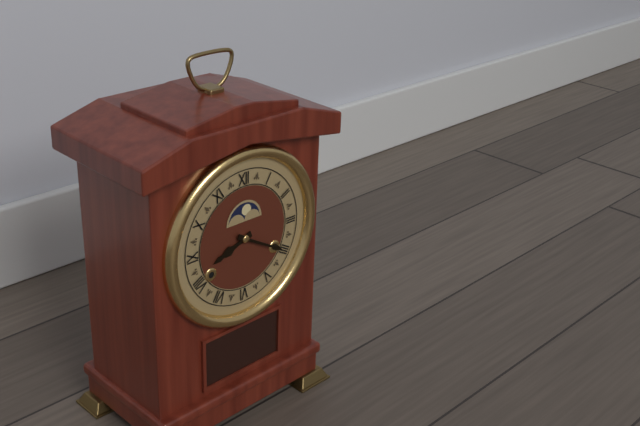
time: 8:20
